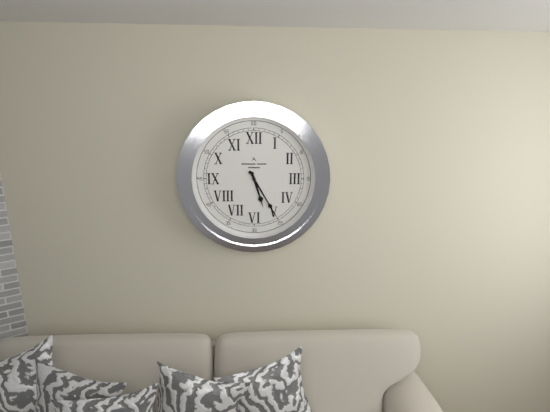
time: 5:25
